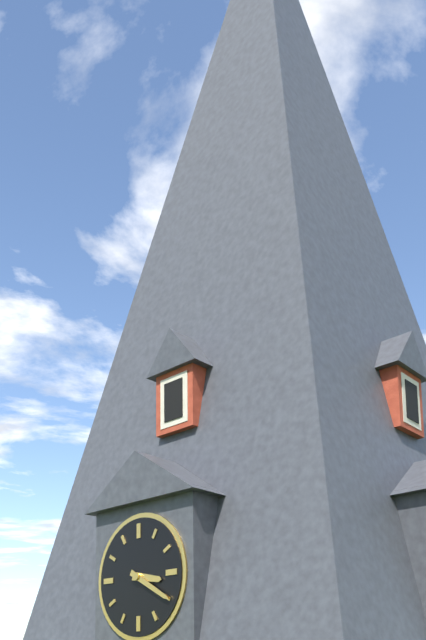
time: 3:20
